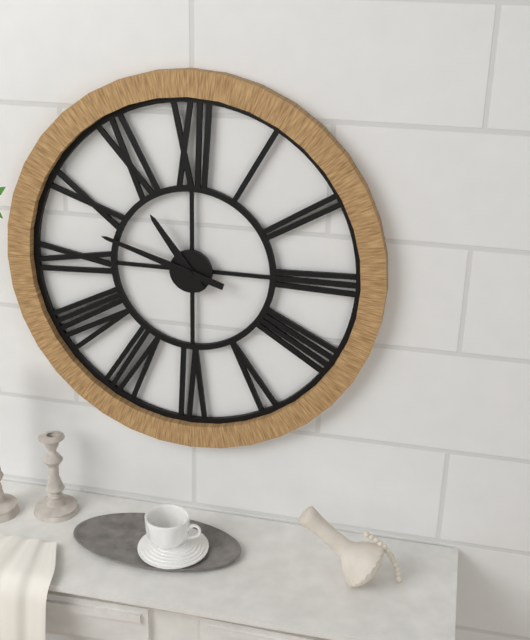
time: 10:48
